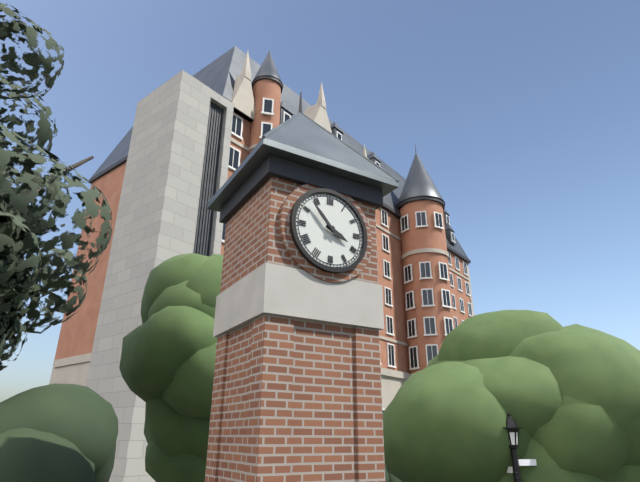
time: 3:53
